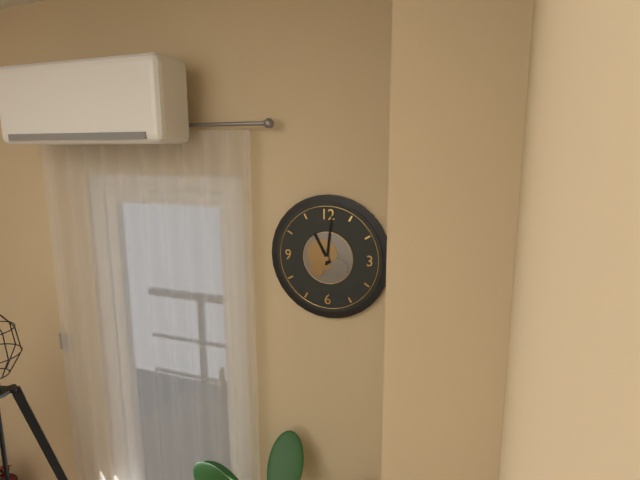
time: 11:01
